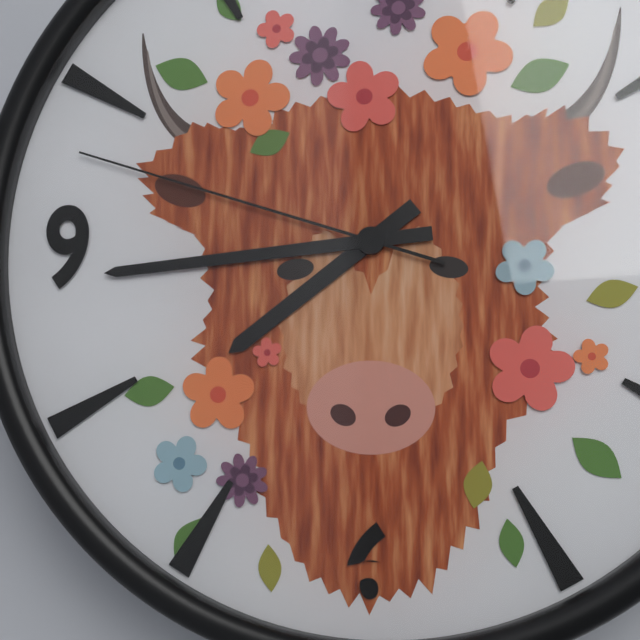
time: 7:44:48
